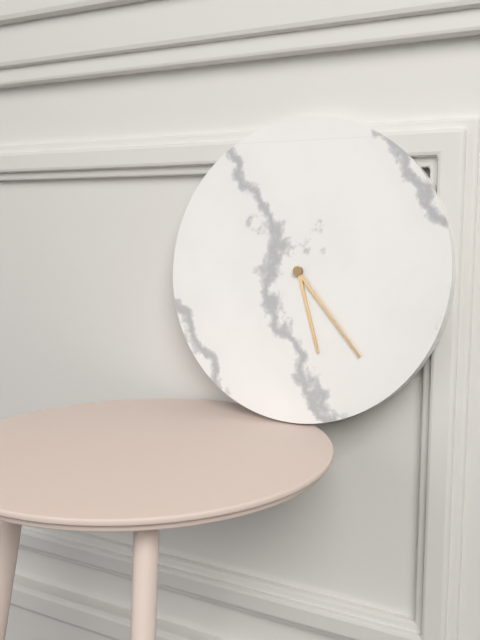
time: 5:23
